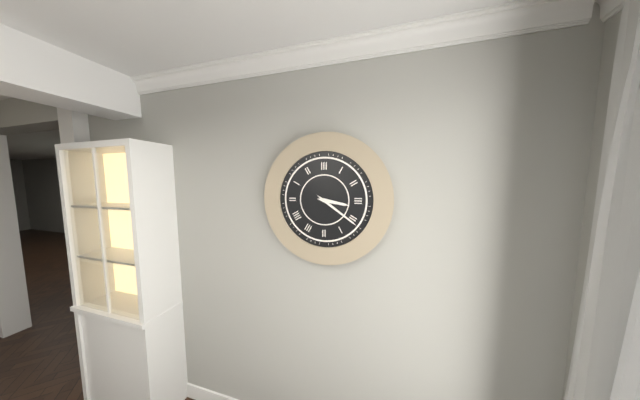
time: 3:21
